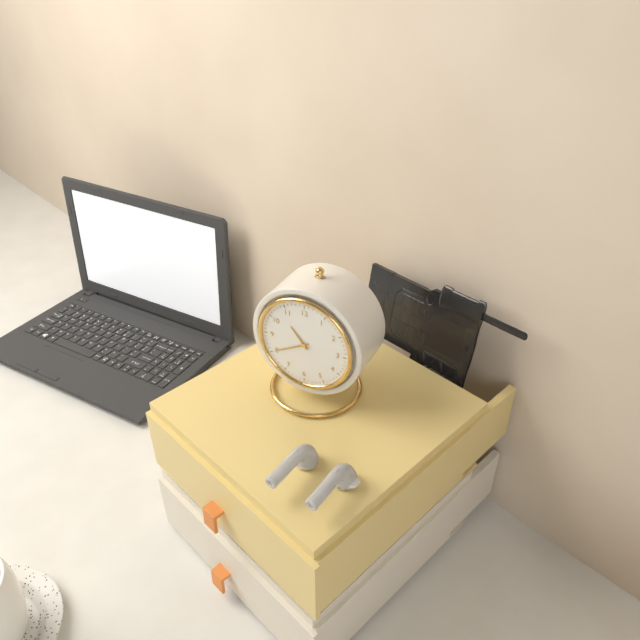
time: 10:40
